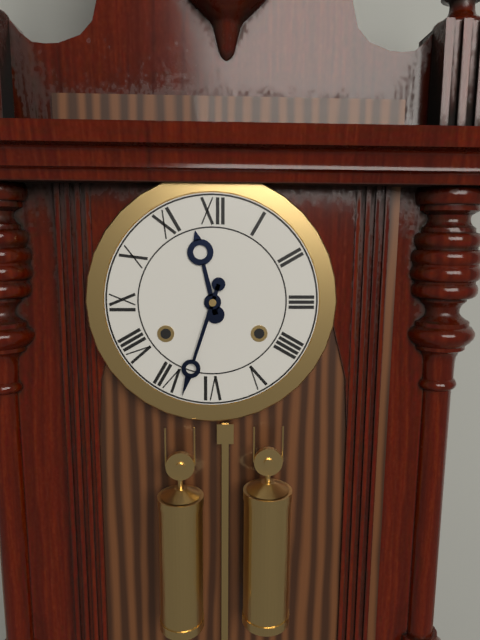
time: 11:33
